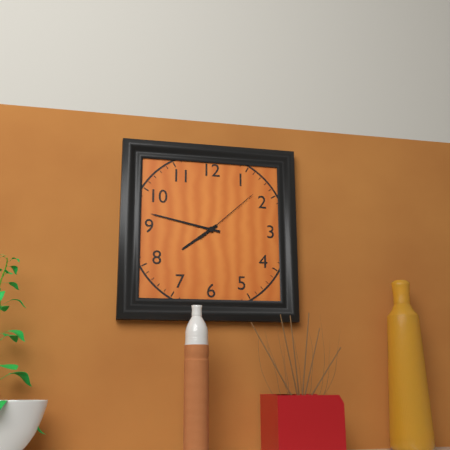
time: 7:47:08
